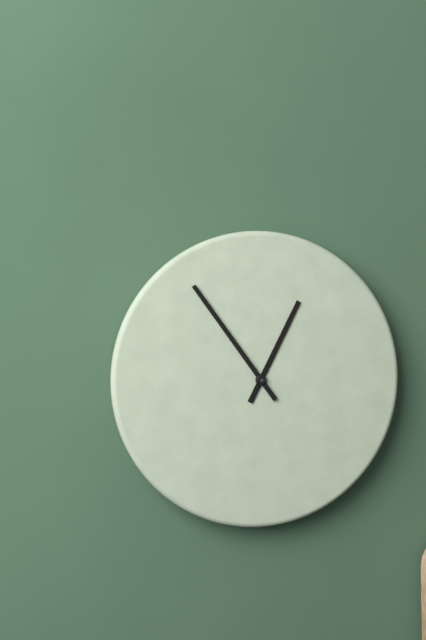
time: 12:54
